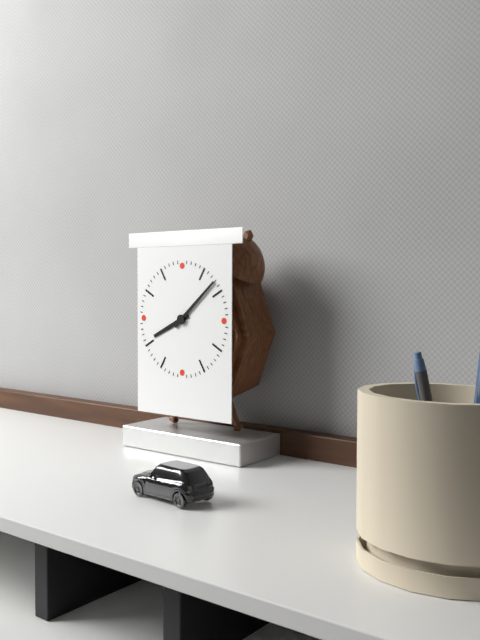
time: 8:08
